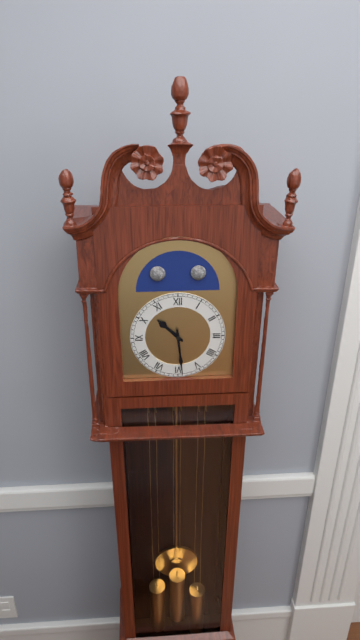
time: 10:29
